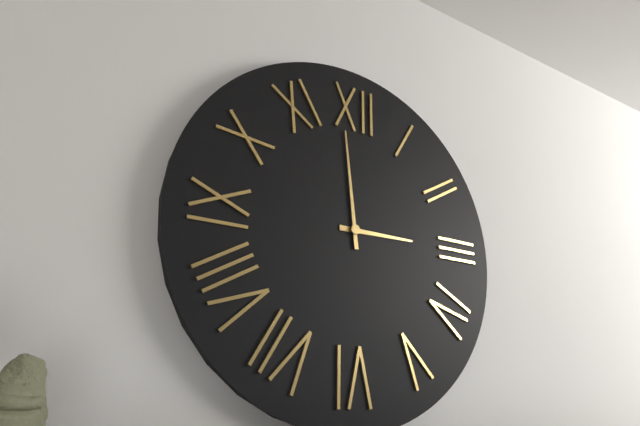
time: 2:59
